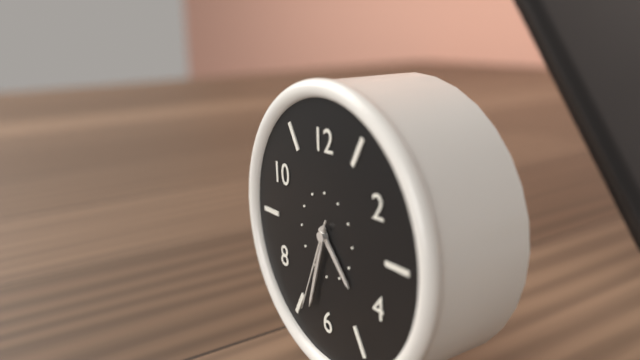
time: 4:33:34
